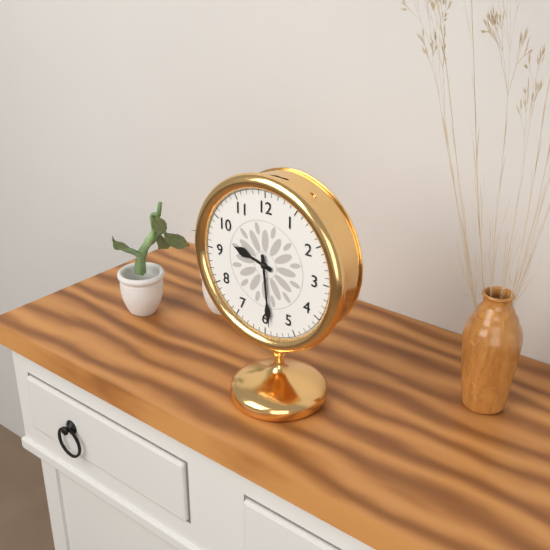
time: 9:29
